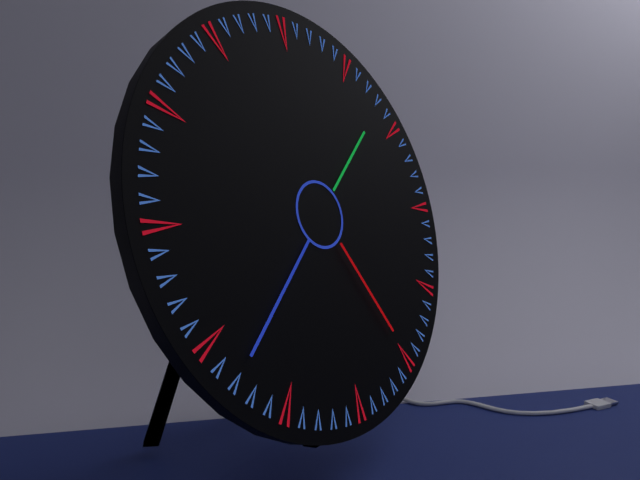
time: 1:38:25
